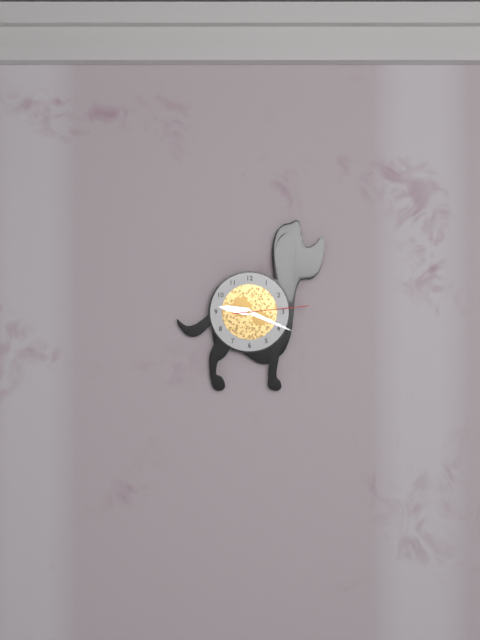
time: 9:19:14
